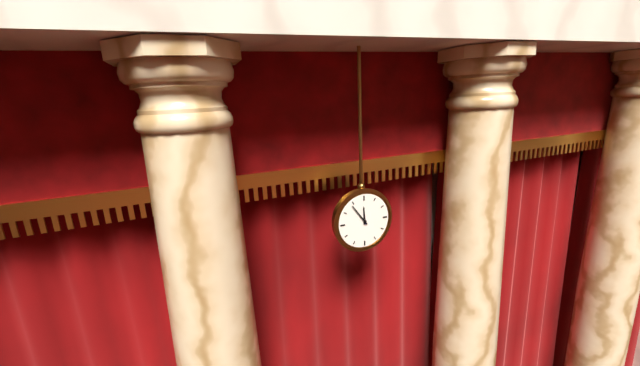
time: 11:54
